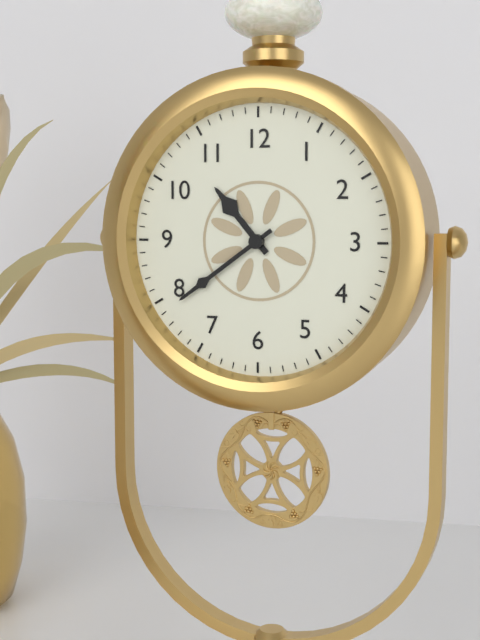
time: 10:39
